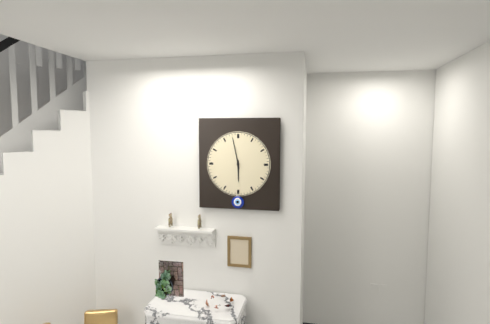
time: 5:58
